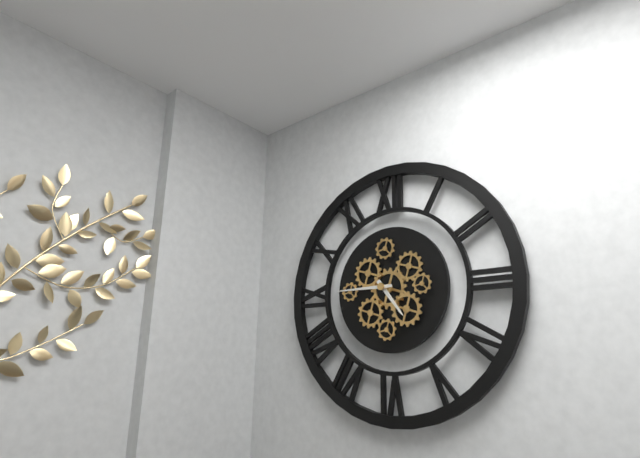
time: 4:45
